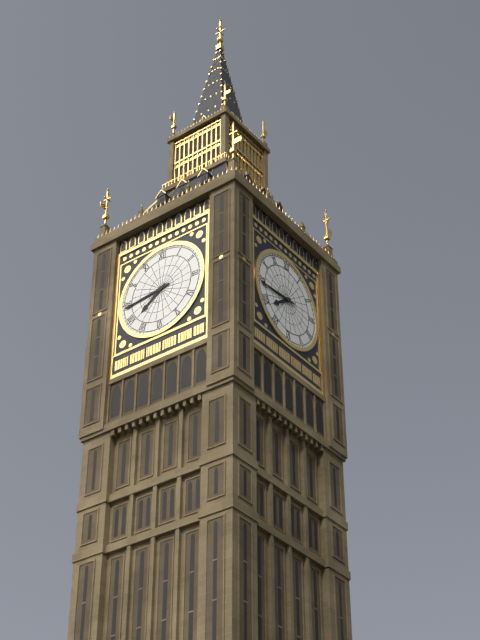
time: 7:44
